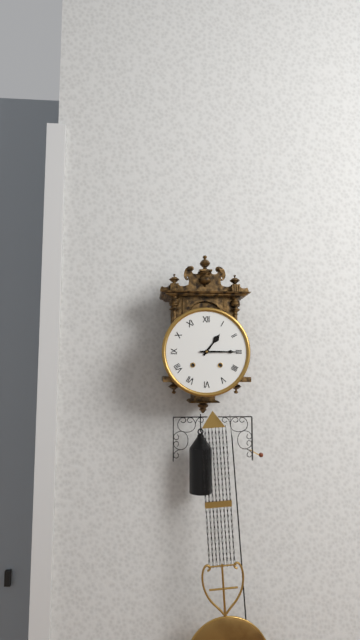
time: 1:15
